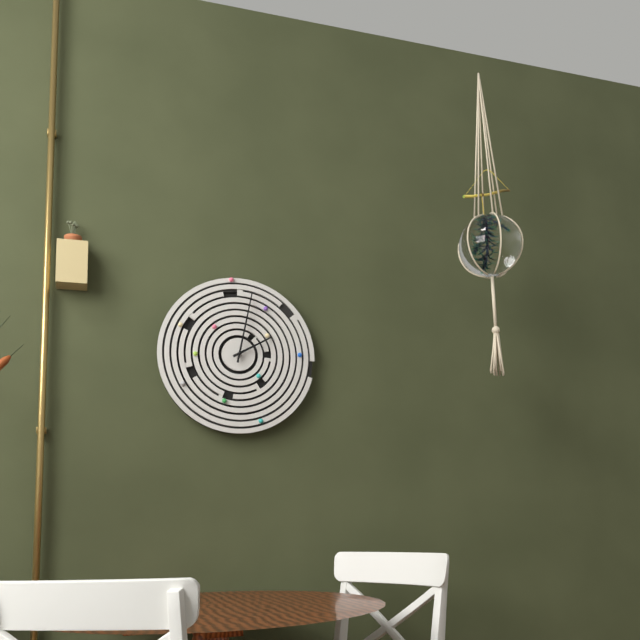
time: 2:02
